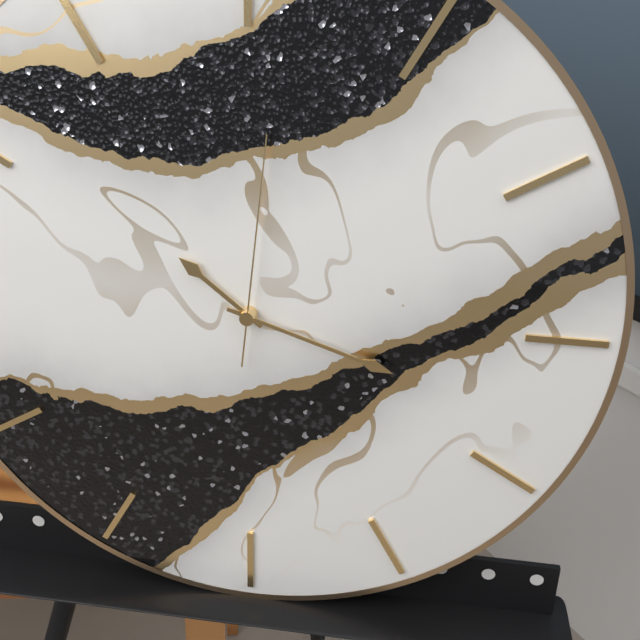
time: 10:18:01
